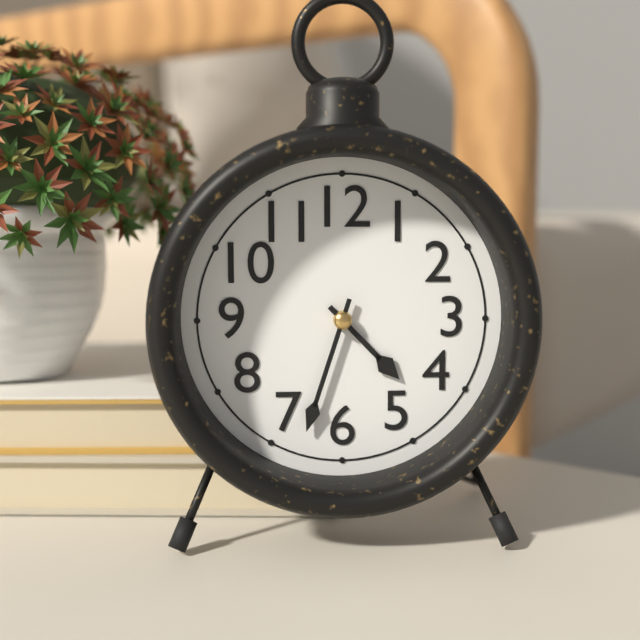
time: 4:33
